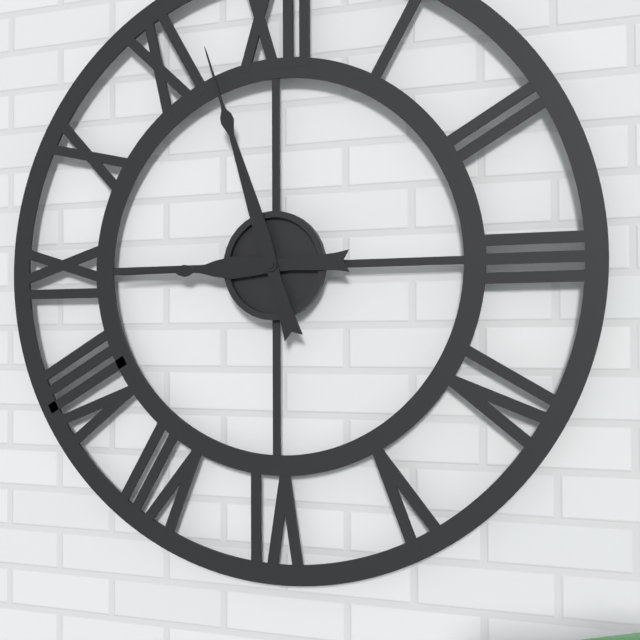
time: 8:57
